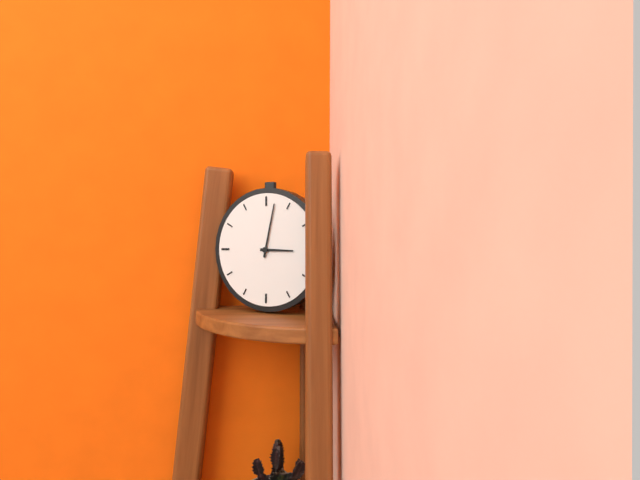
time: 3:02
